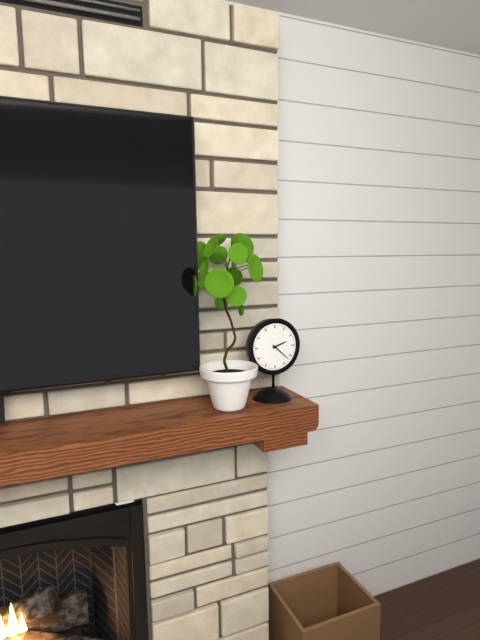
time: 2:22
